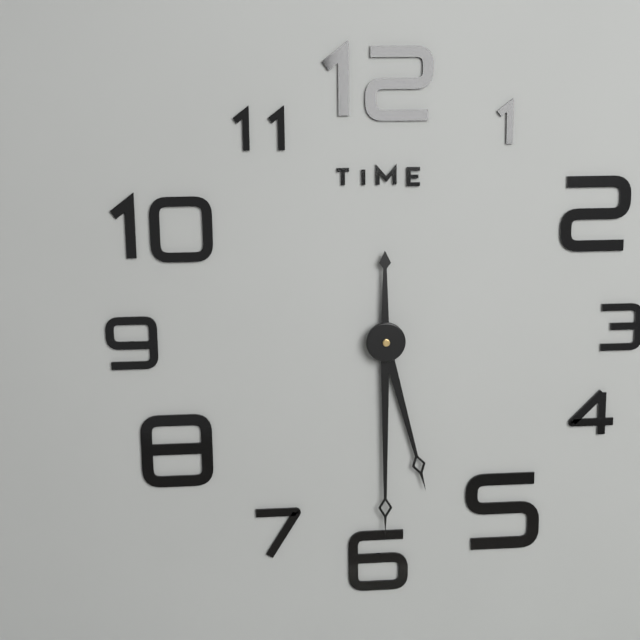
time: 5:30
